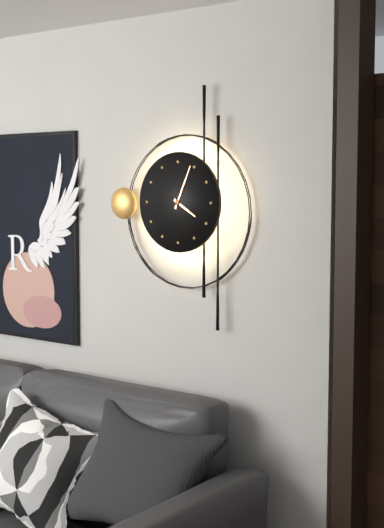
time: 4:04
